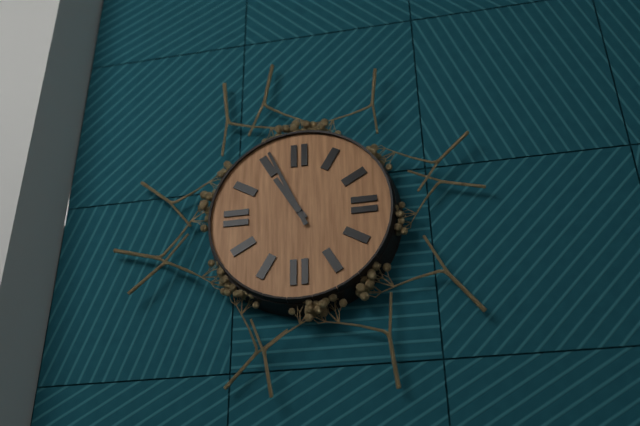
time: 10:56
